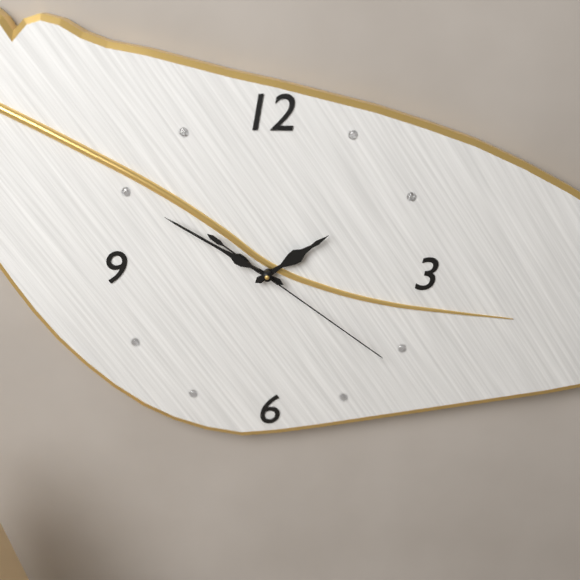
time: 1:50:21
